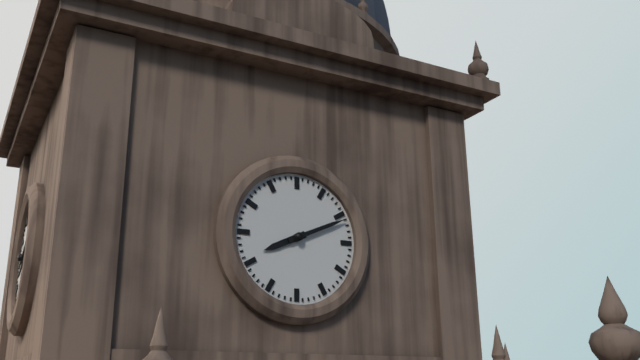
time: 8:11
